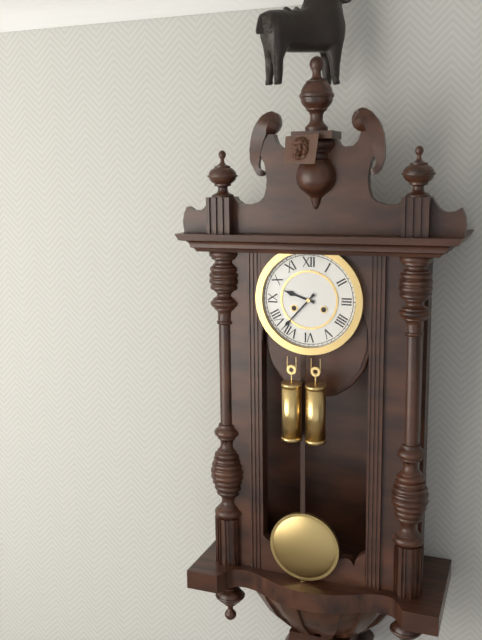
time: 9:37
